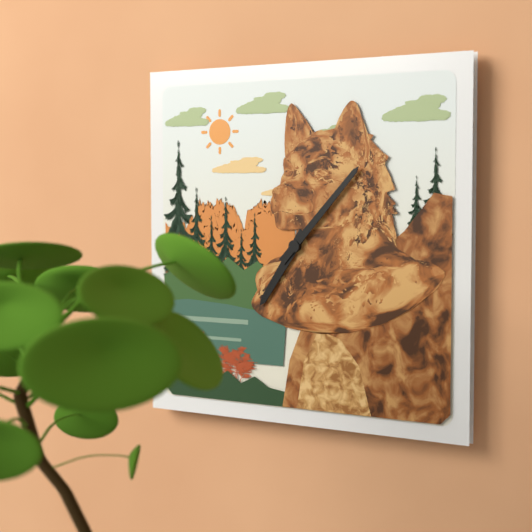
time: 7:07
